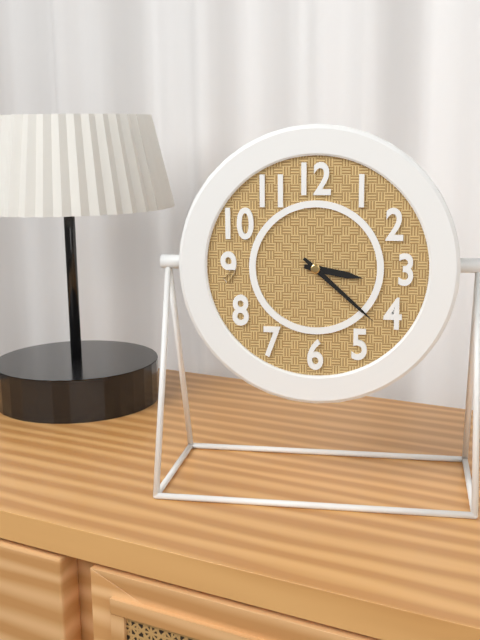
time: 3:22
